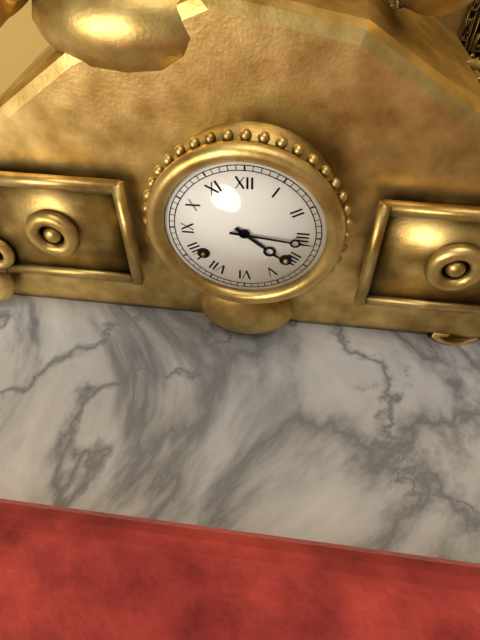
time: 4:16
